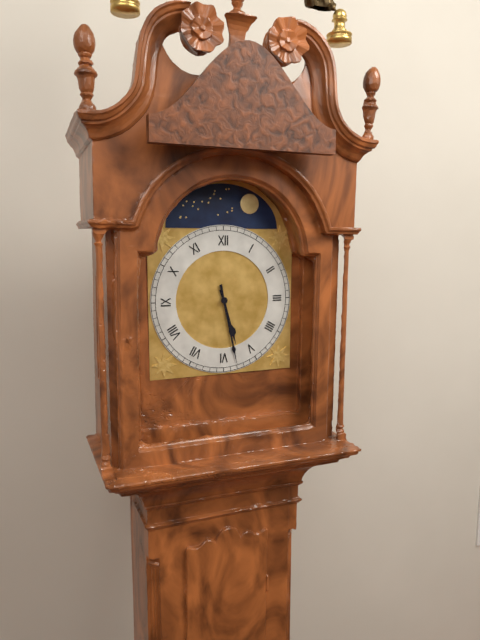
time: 5:28
